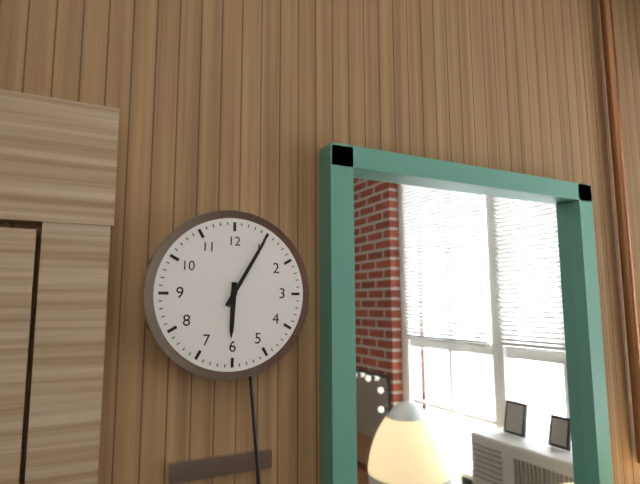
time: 6:05
